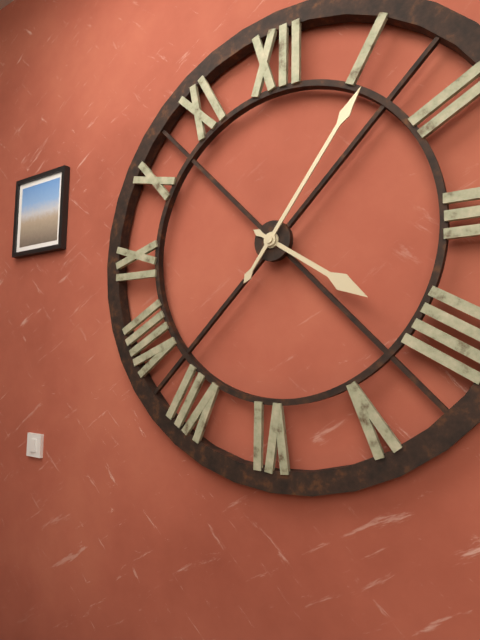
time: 4:06
